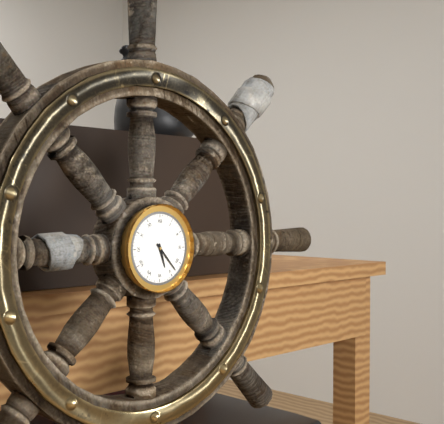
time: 5:23
